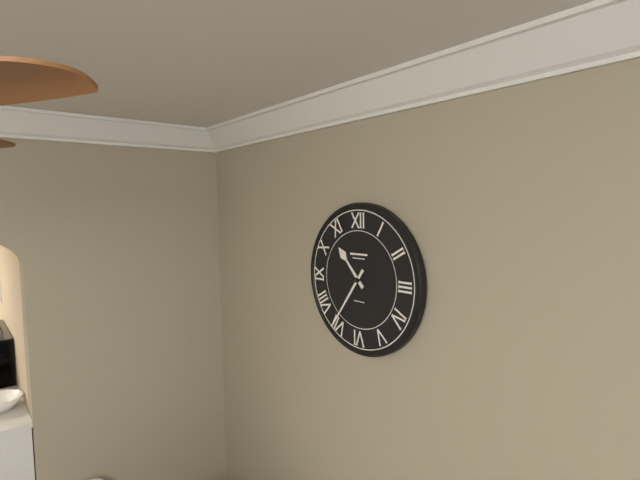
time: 10:36
